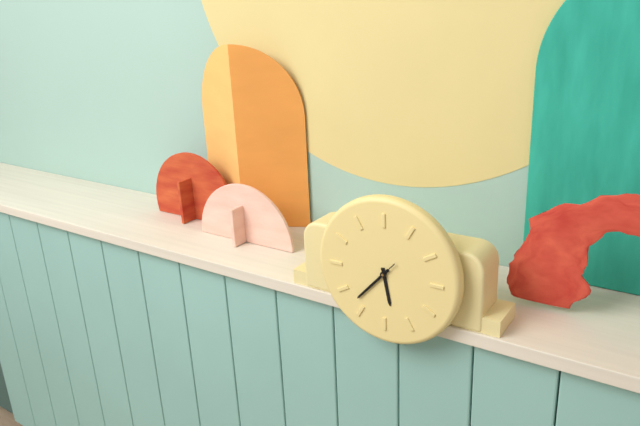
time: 5:37
